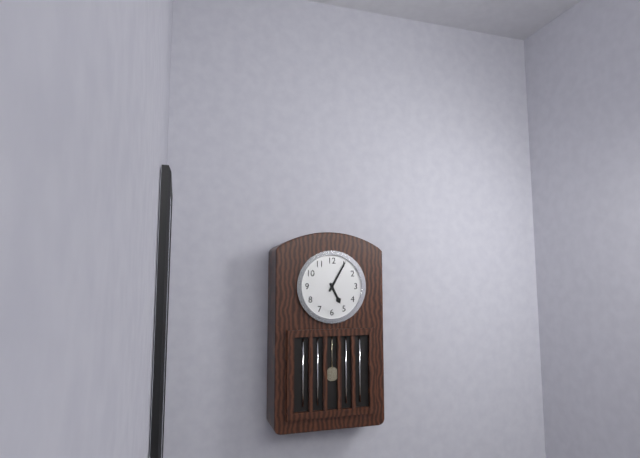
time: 5:05
